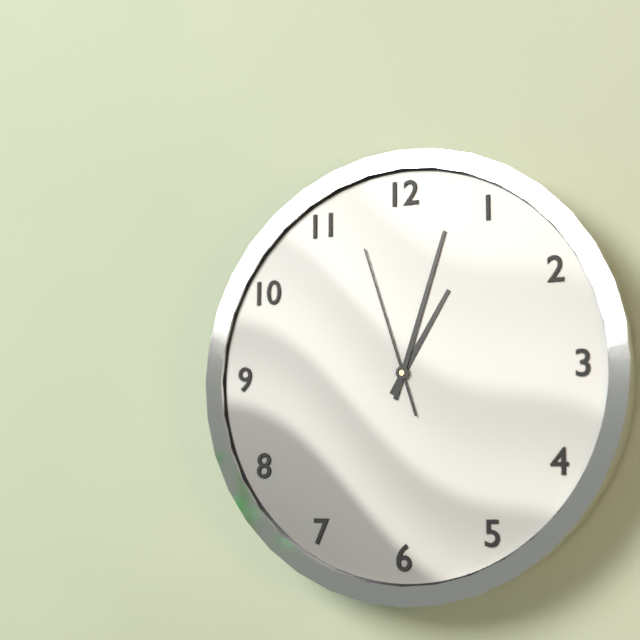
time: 1:03:57
